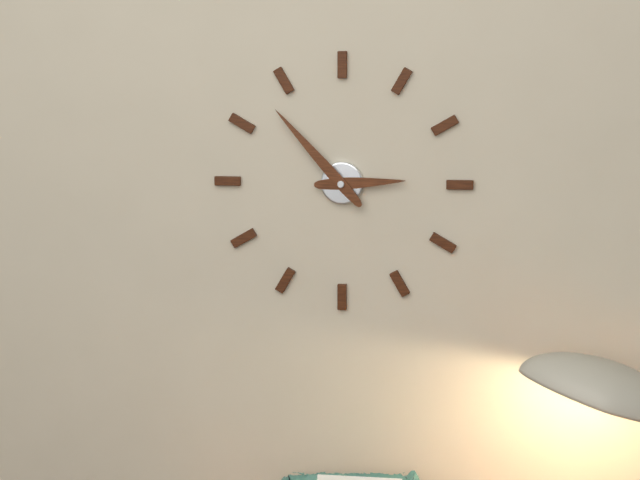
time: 2:53
